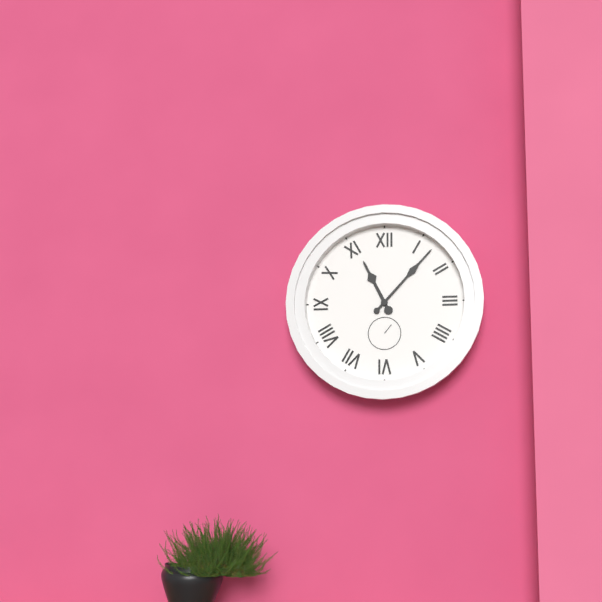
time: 11:07
